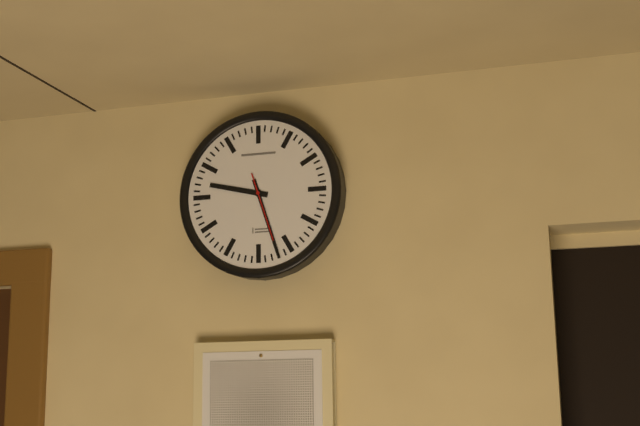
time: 9:27:27
